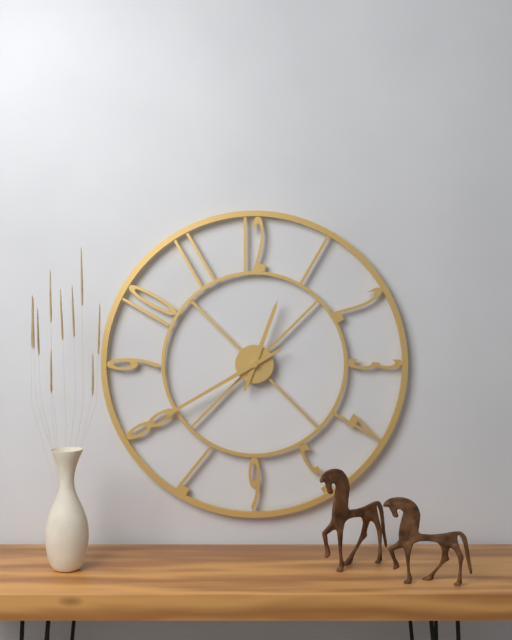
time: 12:40
